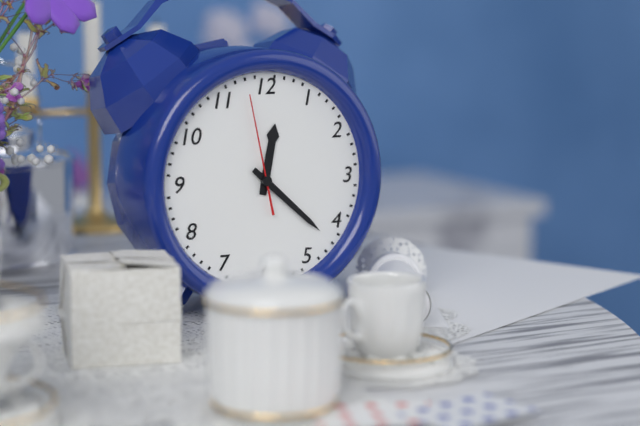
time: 12:22:58
